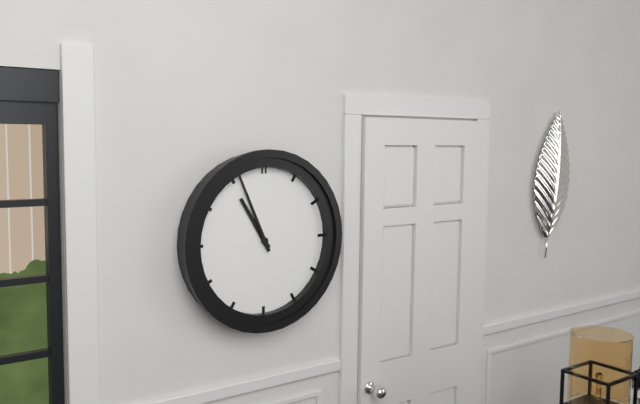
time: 10:56
